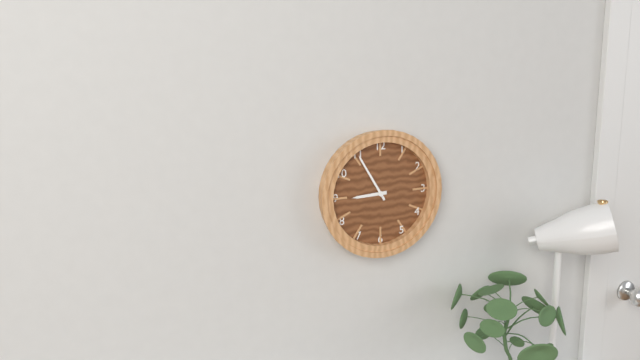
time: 8:55
